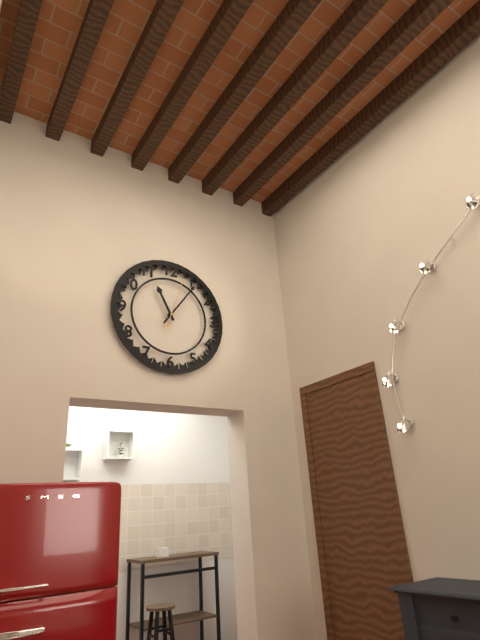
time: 11:06
